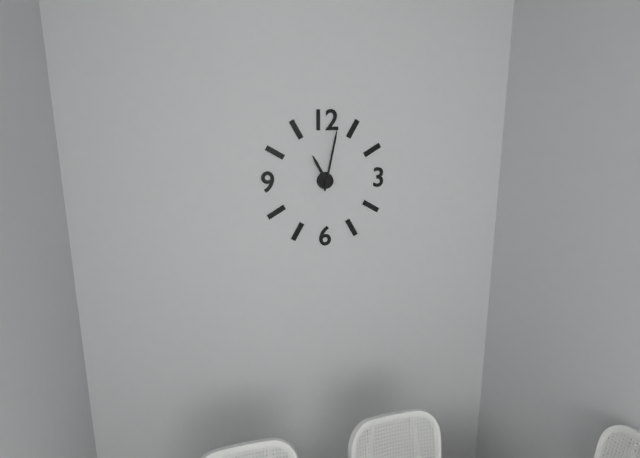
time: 11:02
